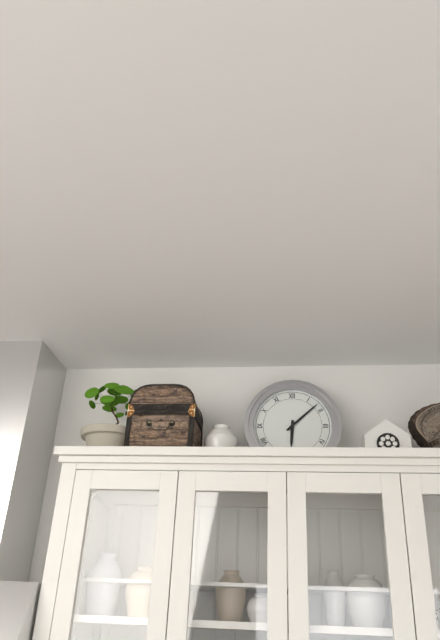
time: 6:08
